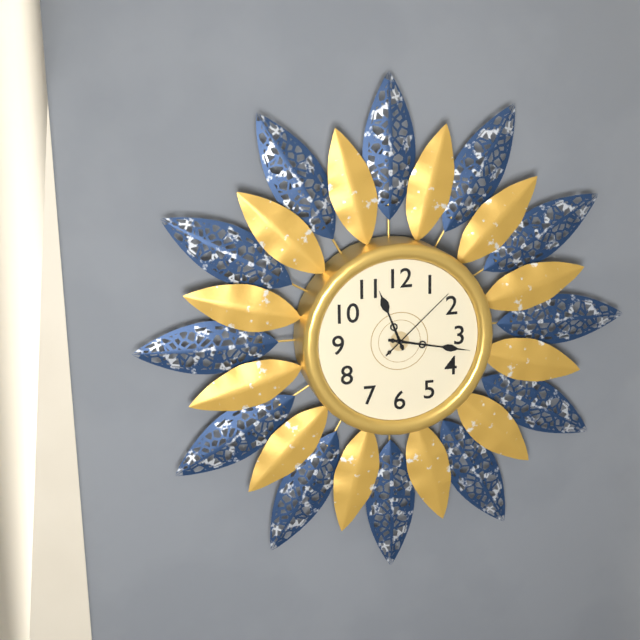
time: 11:17:08
